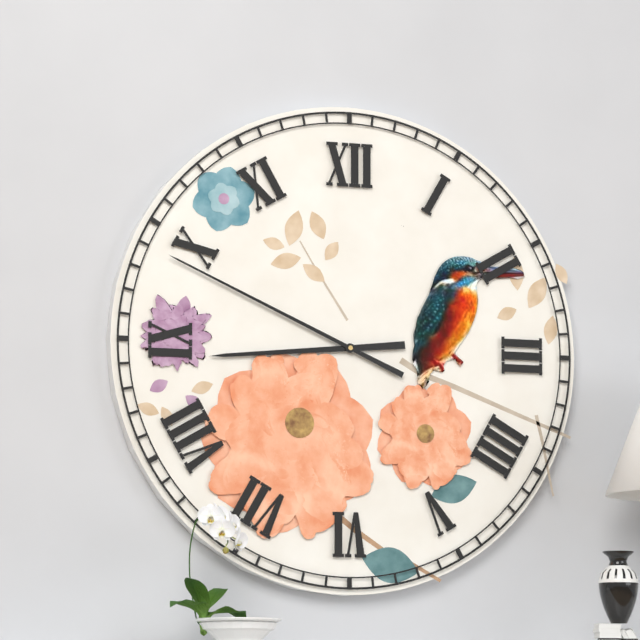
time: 8:49
